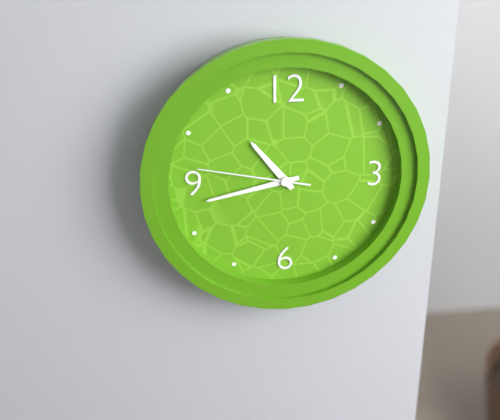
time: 10:43:47
